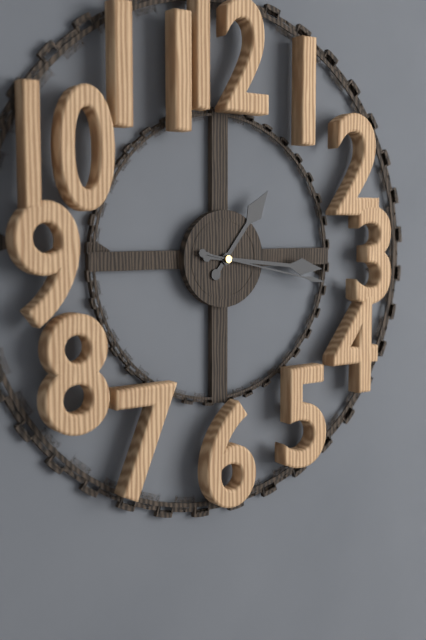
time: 1:16:17
